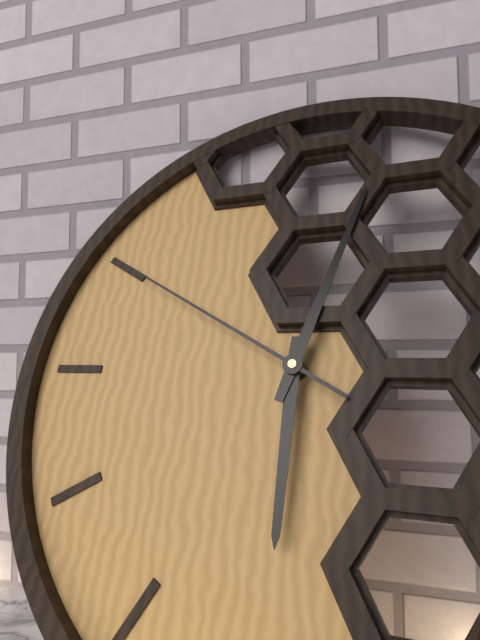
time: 6:03:50
